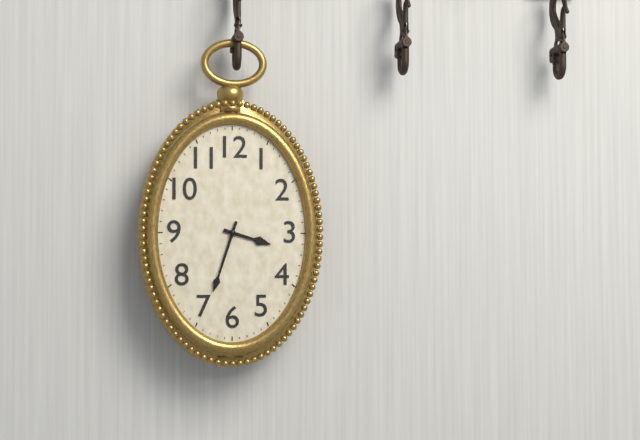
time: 3:33
